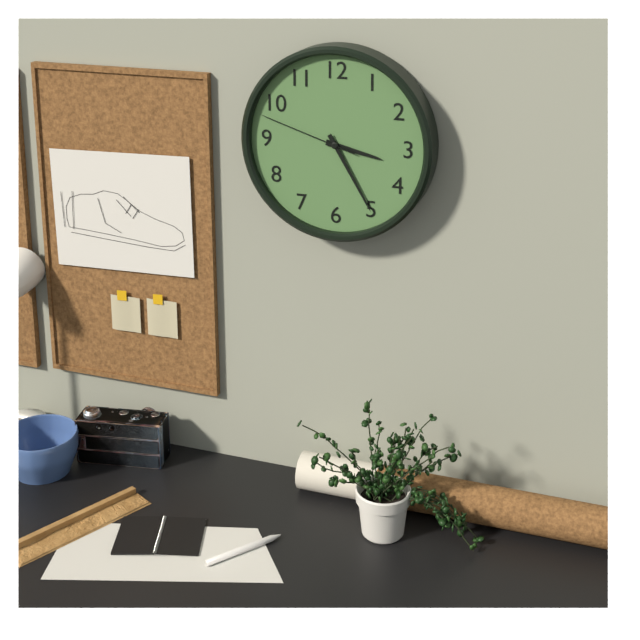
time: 3:25:48
